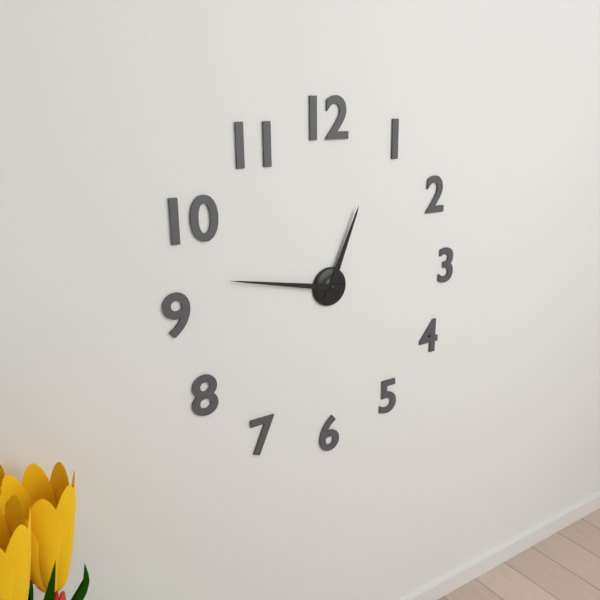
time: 12:47
